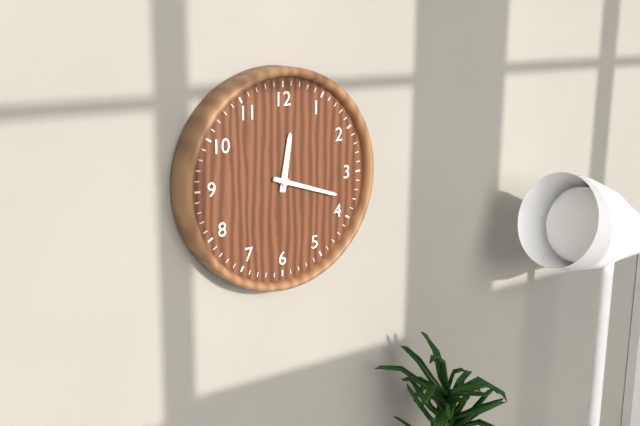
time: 12:18
